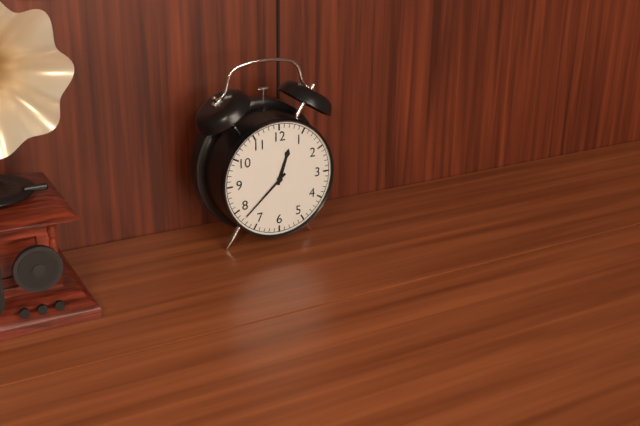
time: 12:38
